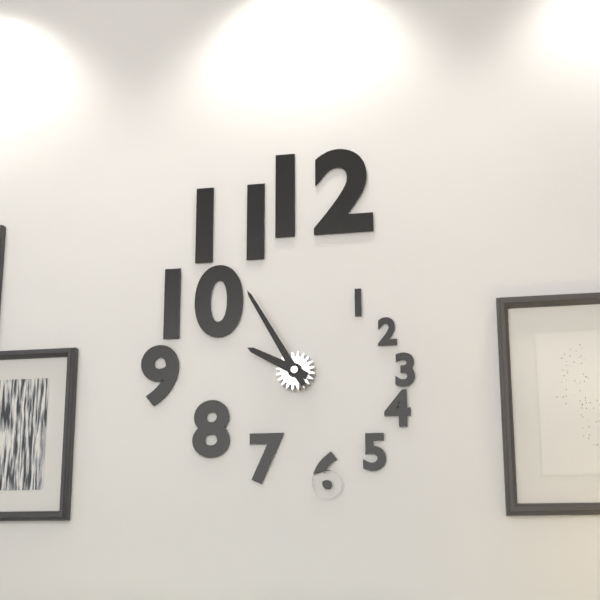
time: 9:55
